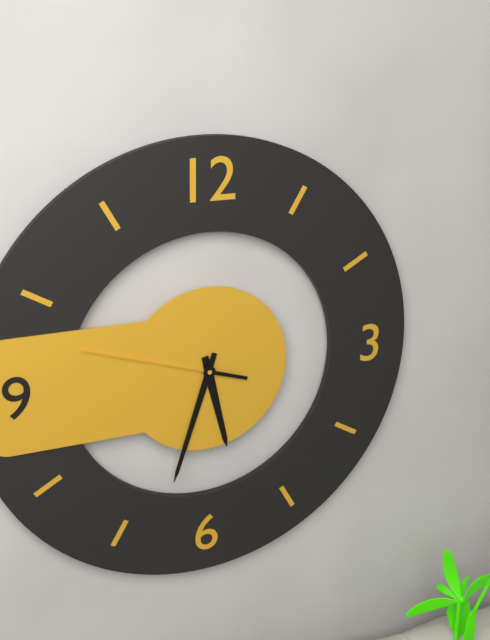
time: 5:33:48
